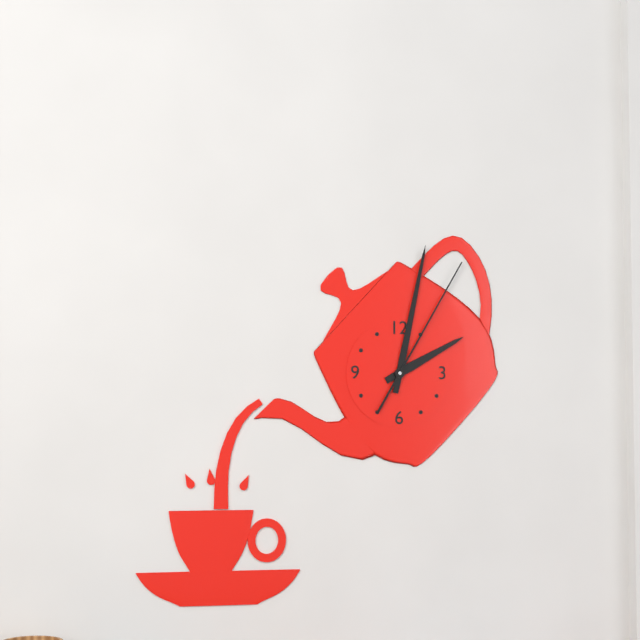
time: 2:02:05
